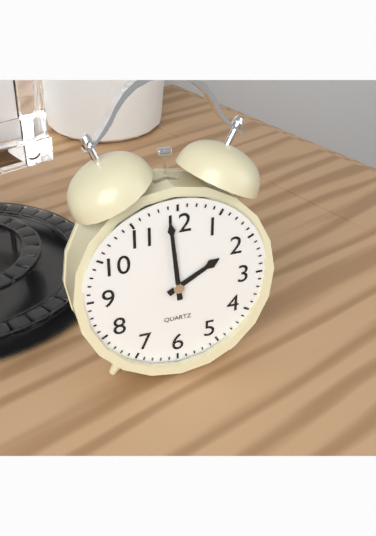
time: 1:59
